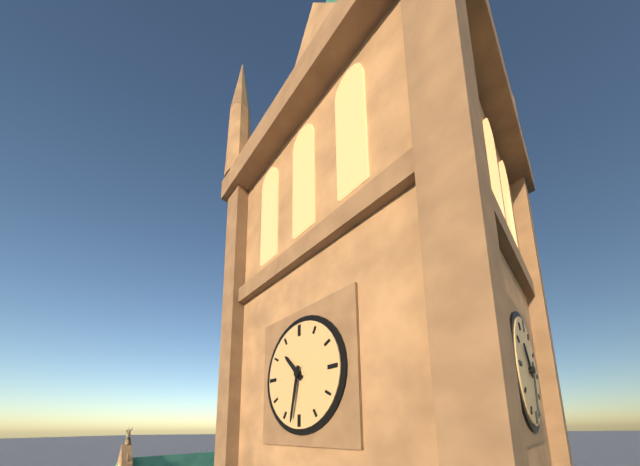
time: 10:32
